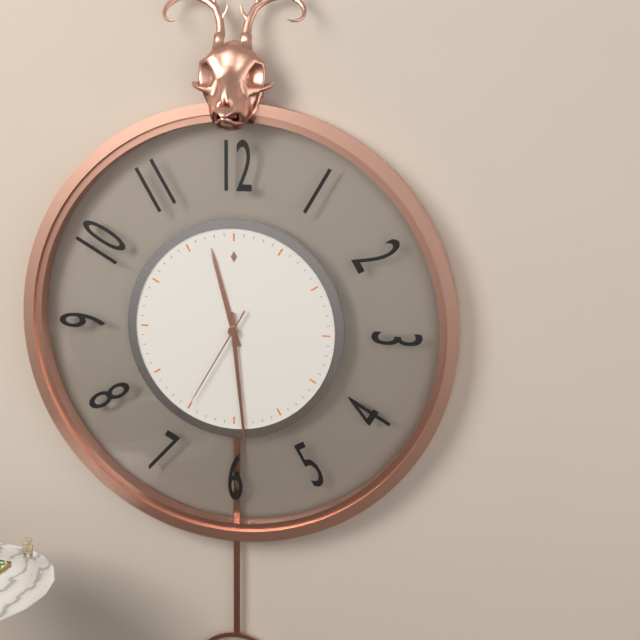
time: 11:29:35
